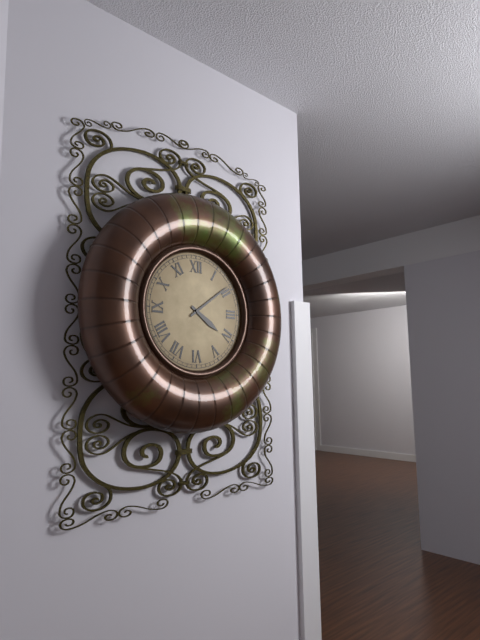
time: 4:09
